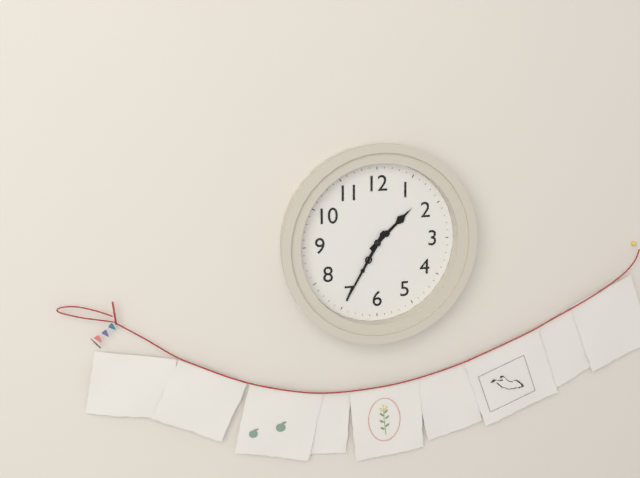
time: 1:35
